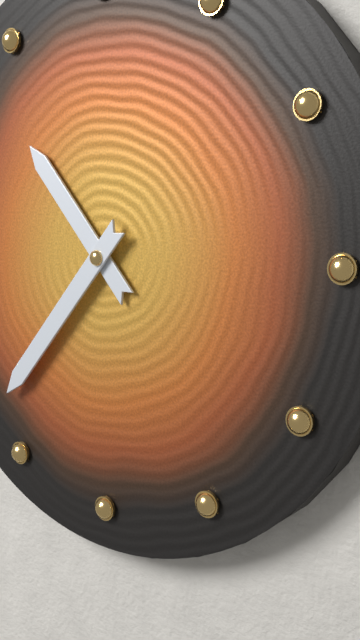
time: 10:37
